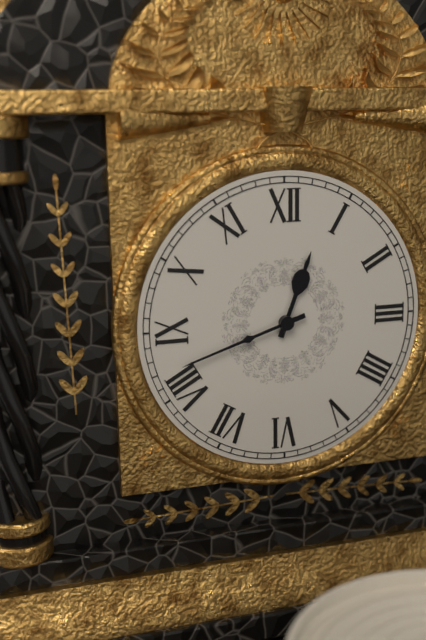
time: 12:42
